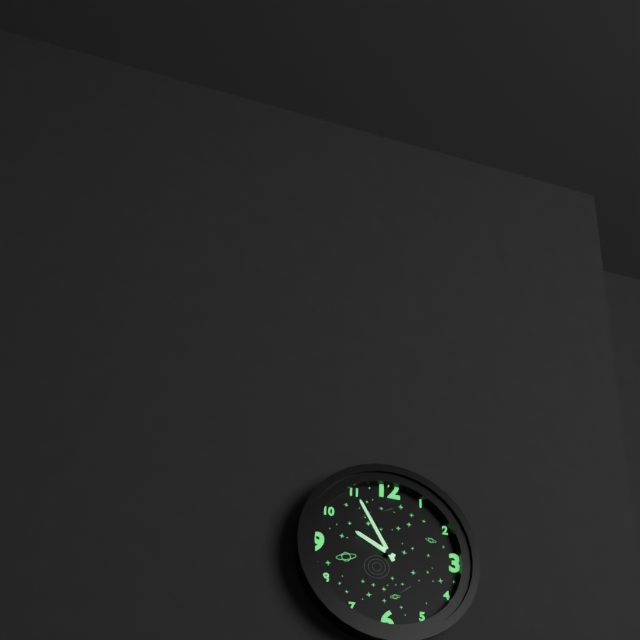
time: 9:55
